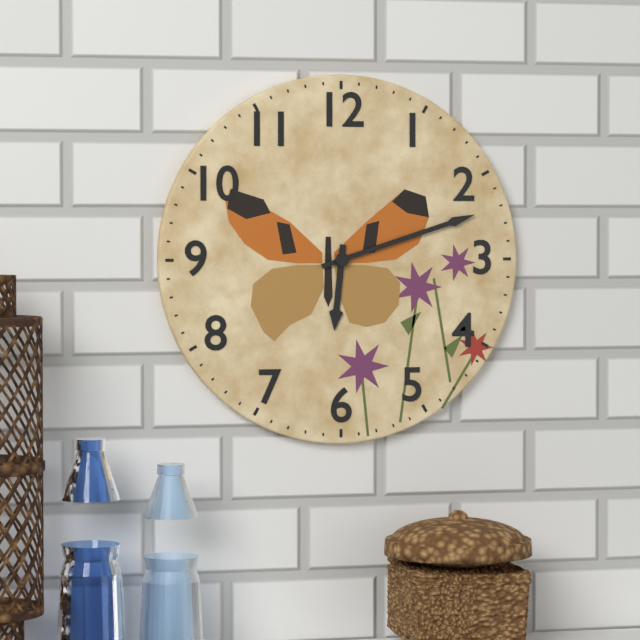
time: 6:12
